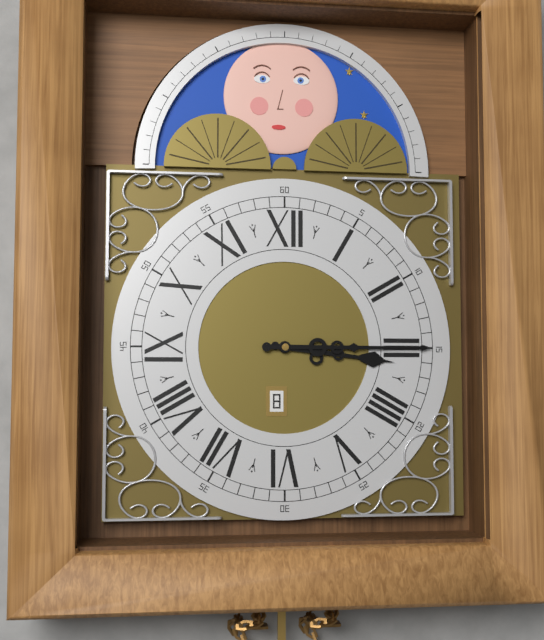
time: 3:15
